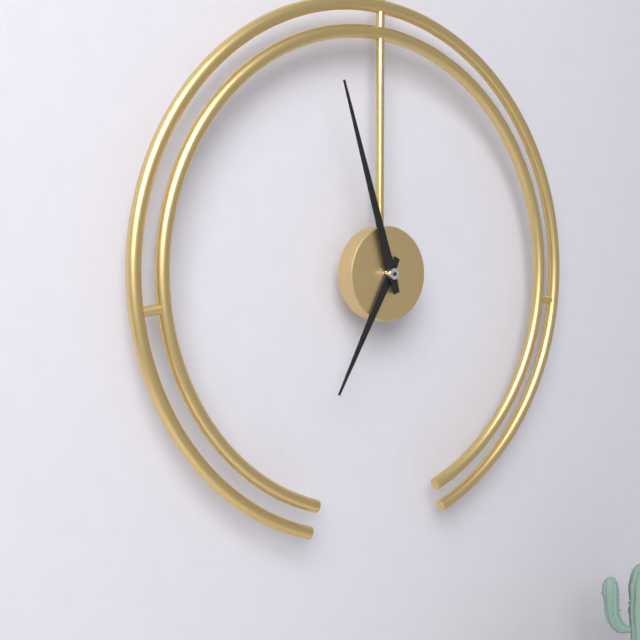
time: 6:57
